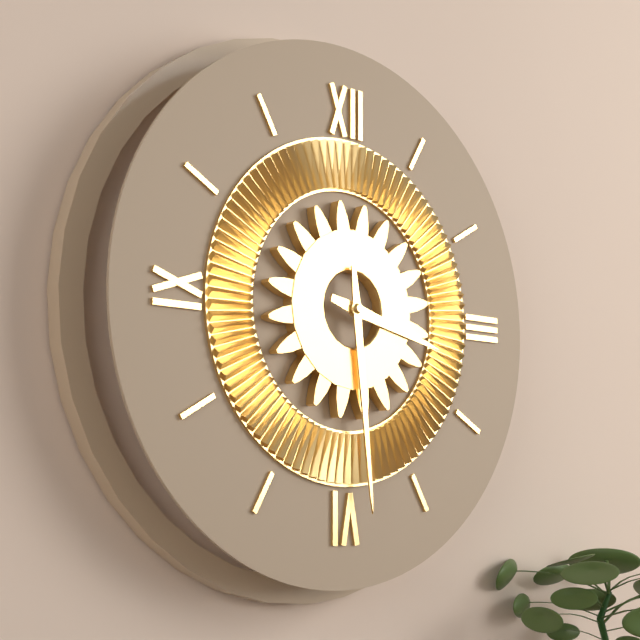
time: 3:29
